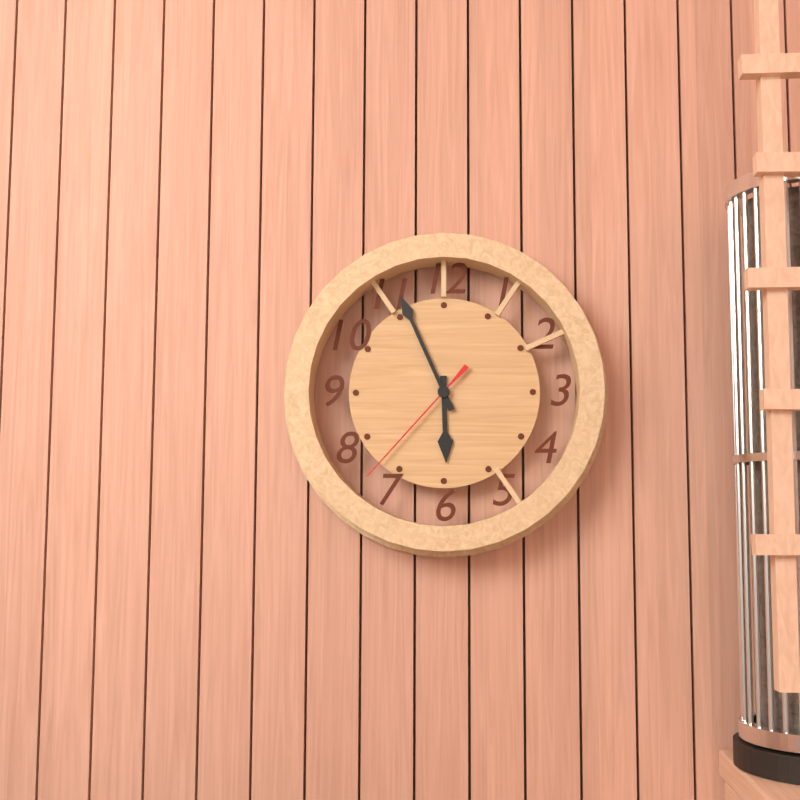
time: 5:56:37
